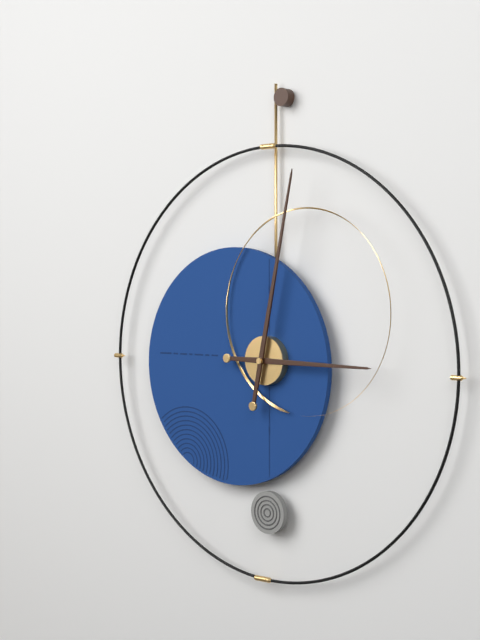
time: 3:02
